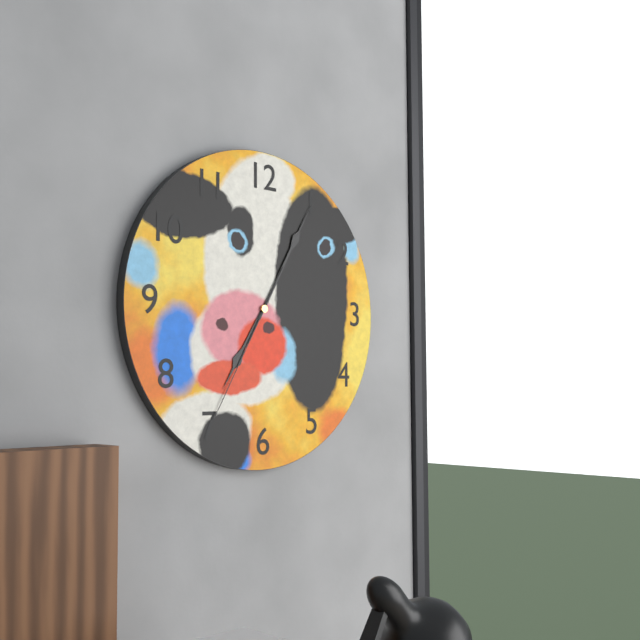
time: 7:05:35
